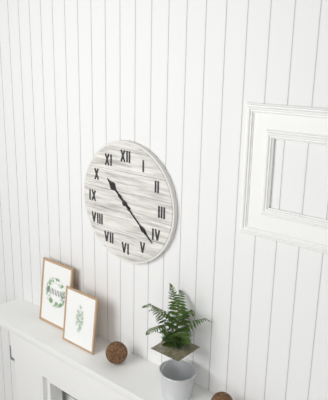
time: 10:22
